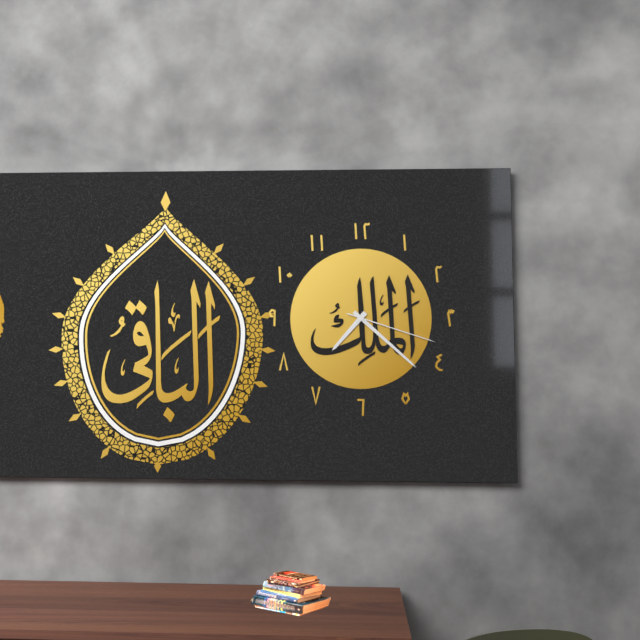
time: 7:22:18
